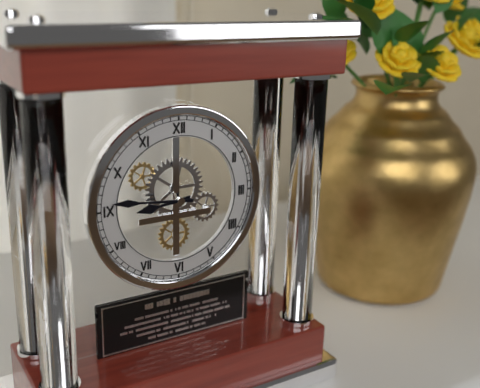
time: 8:46
